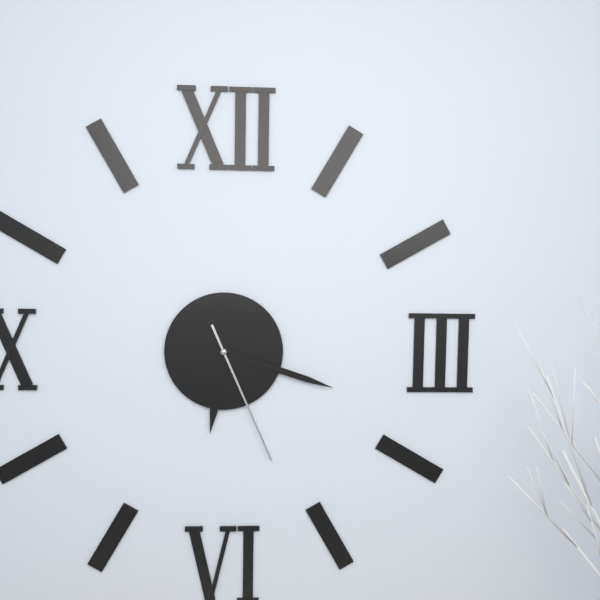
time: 6:18:26
